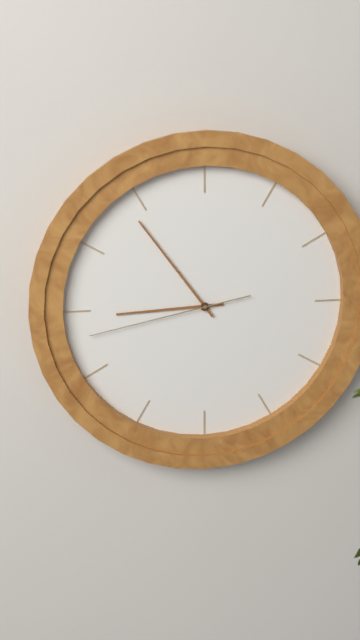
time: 8:54:43
